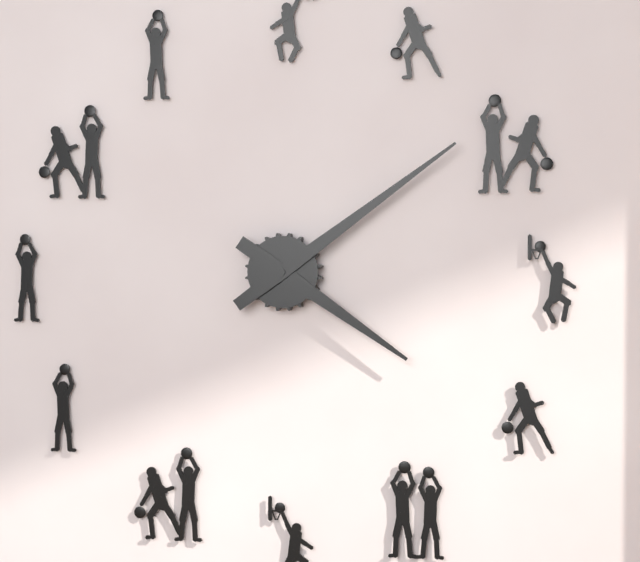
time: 4:09
